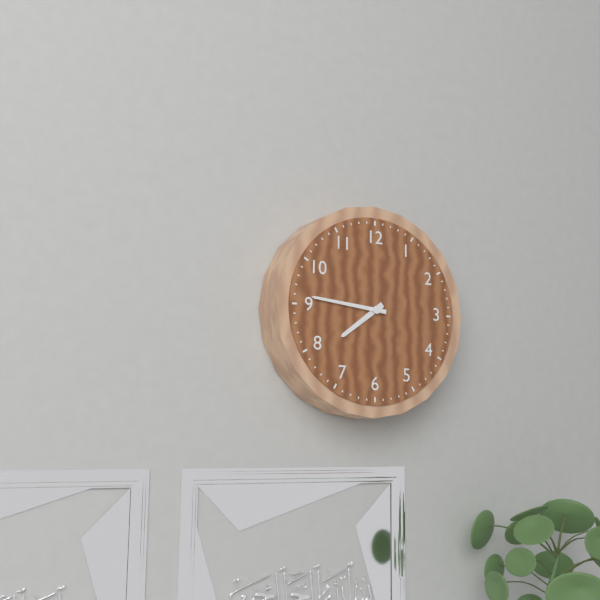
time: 7:46
